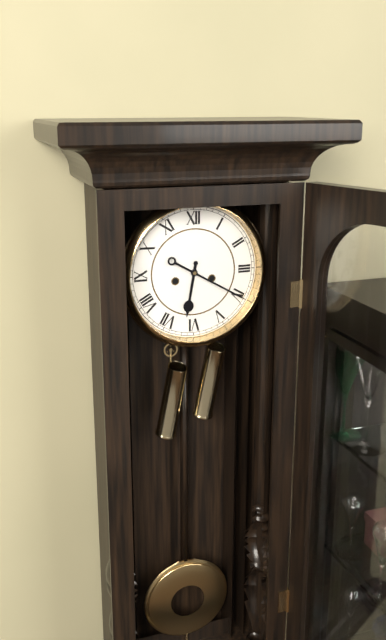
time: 6:20
